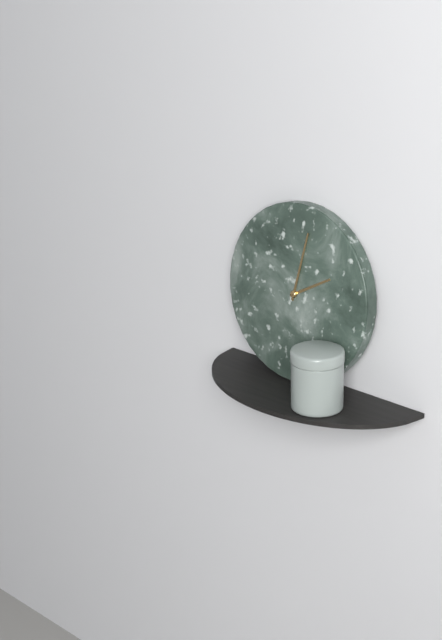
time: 2:02
